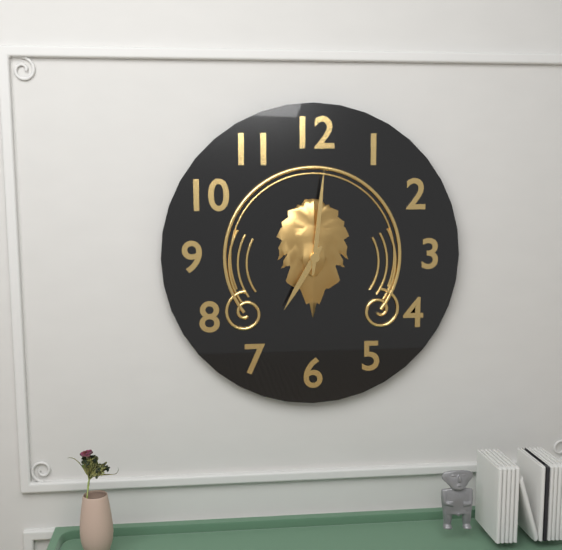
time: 7:01
